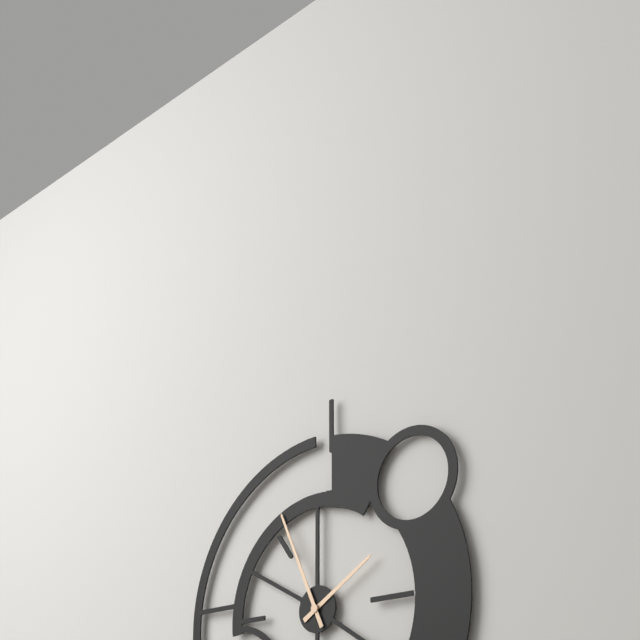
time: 1:56
